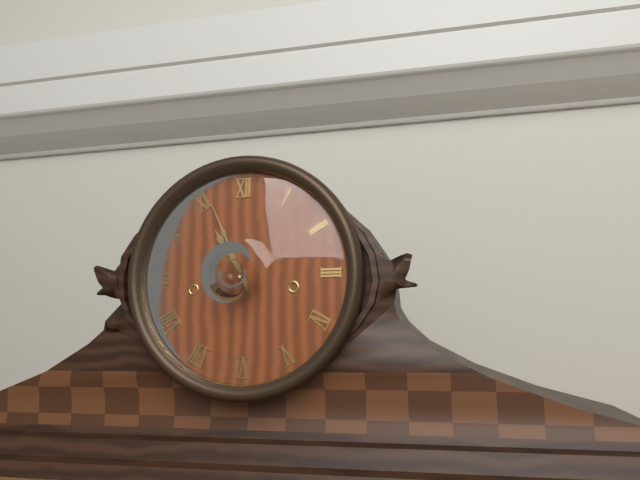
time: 10:56
